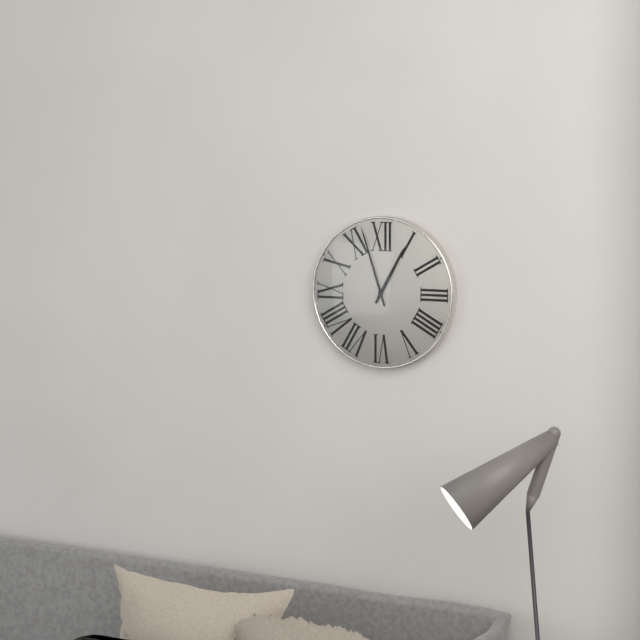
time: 12:57
